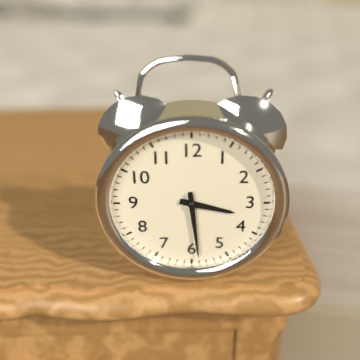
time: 3:29
